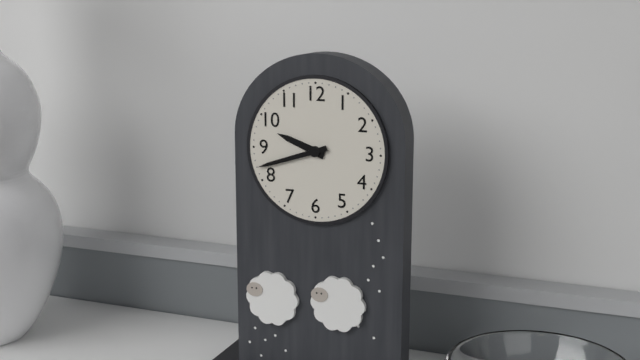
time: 9:42
